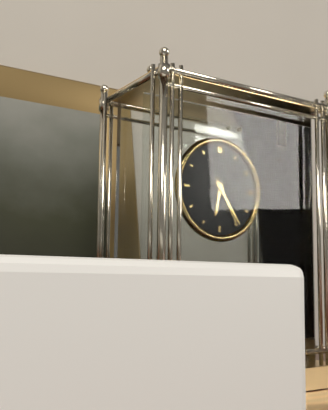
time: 6:24:25
